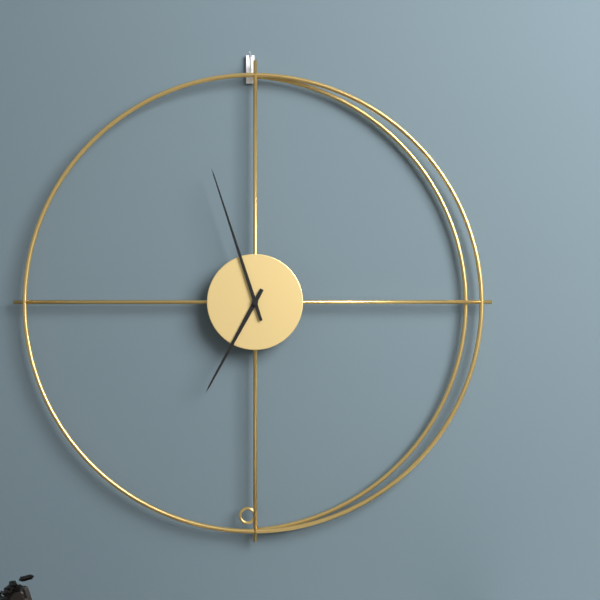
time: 6:57
